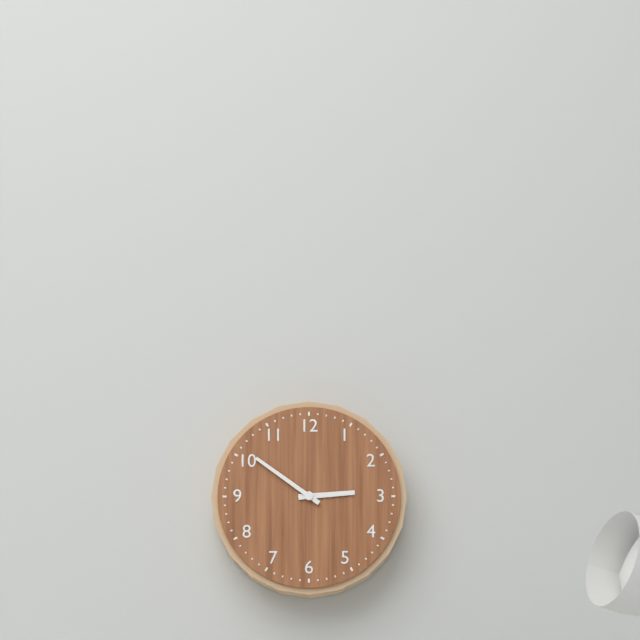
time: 2:51
